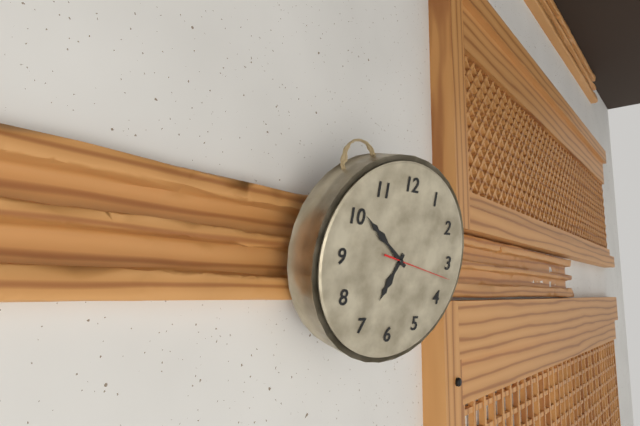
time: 6:51:17
